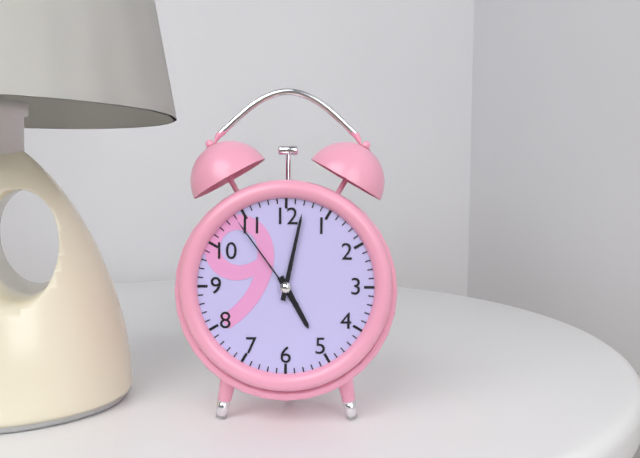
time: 5:02:54
